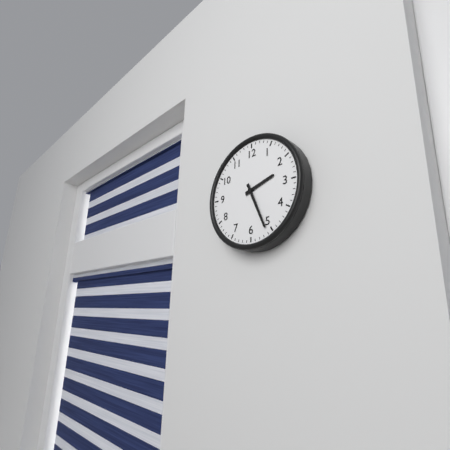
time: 2:26
